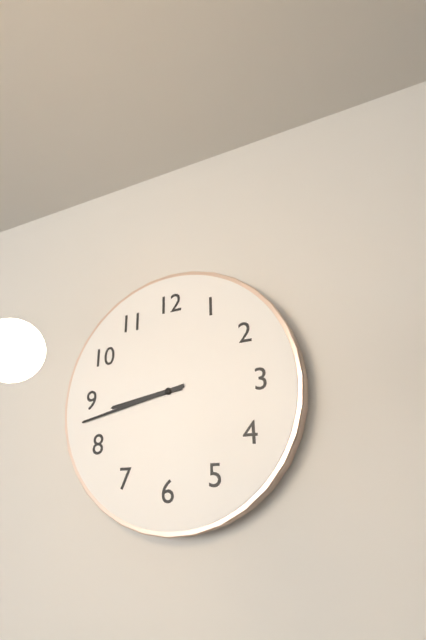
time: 8:43
